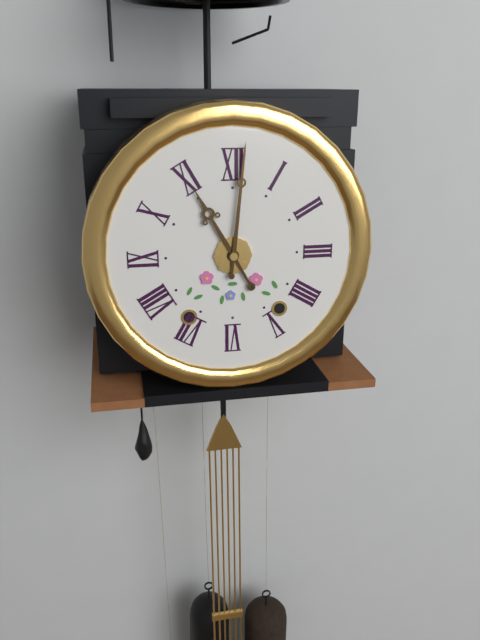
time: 11:01
